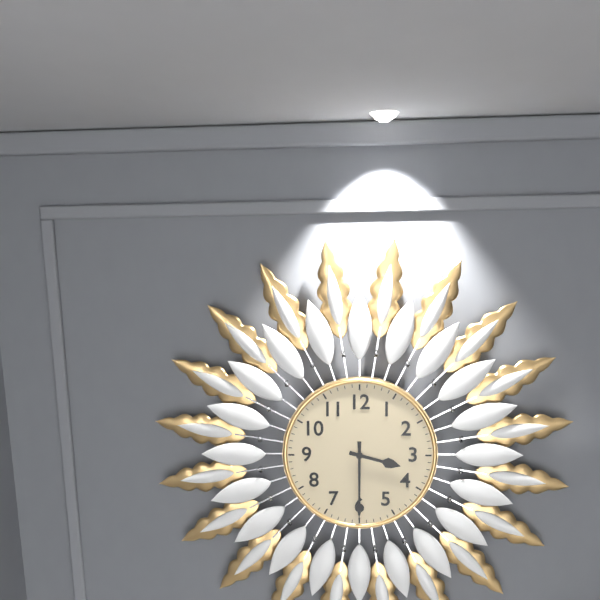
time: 3:30
